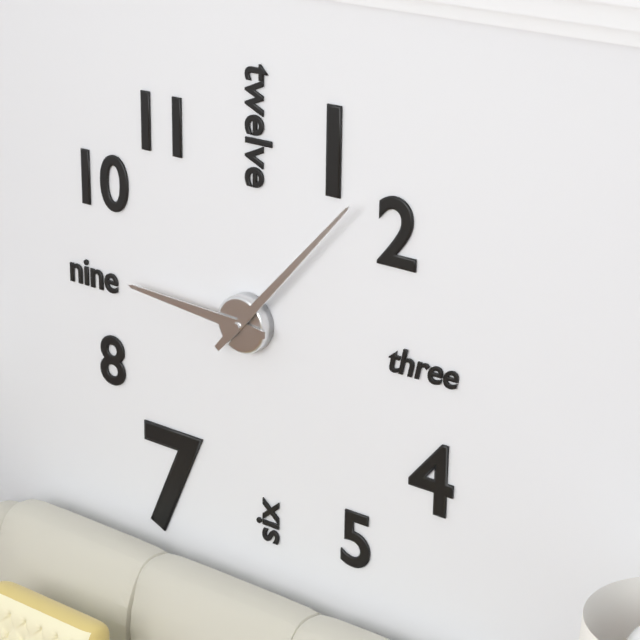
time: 9:07
